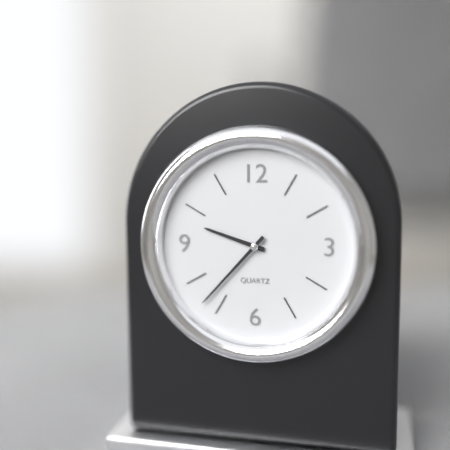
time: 9:37
